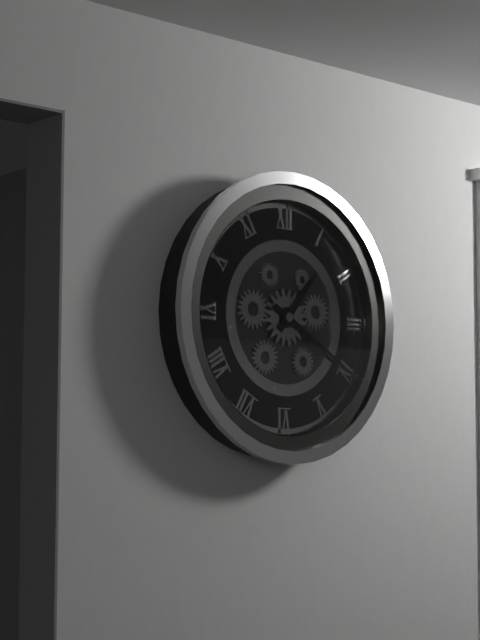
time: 1:20
